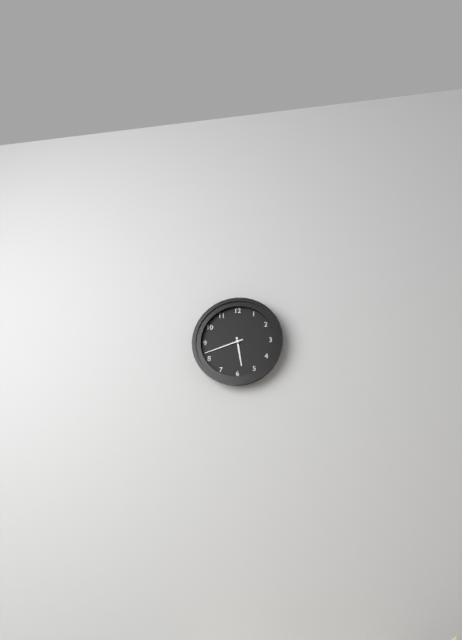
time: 5:42
